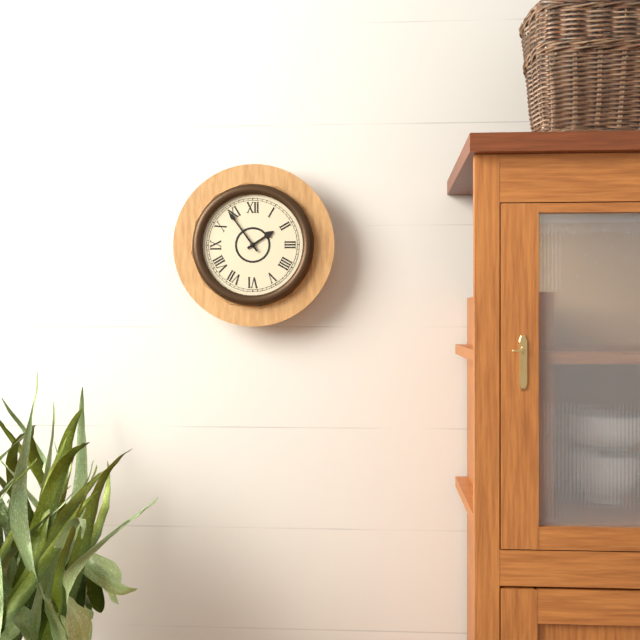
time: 1:54
